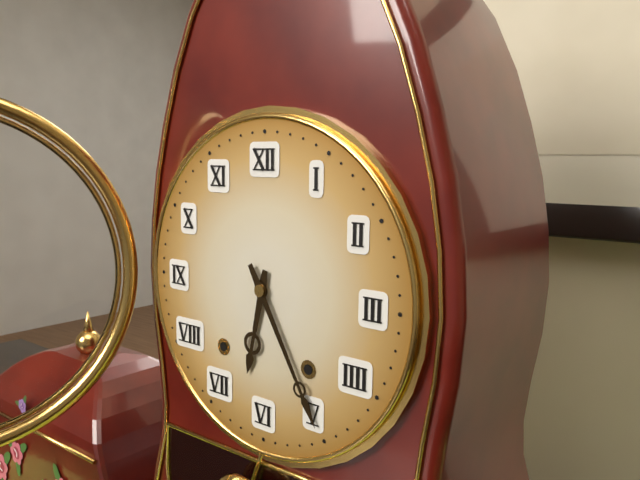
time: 6:25
